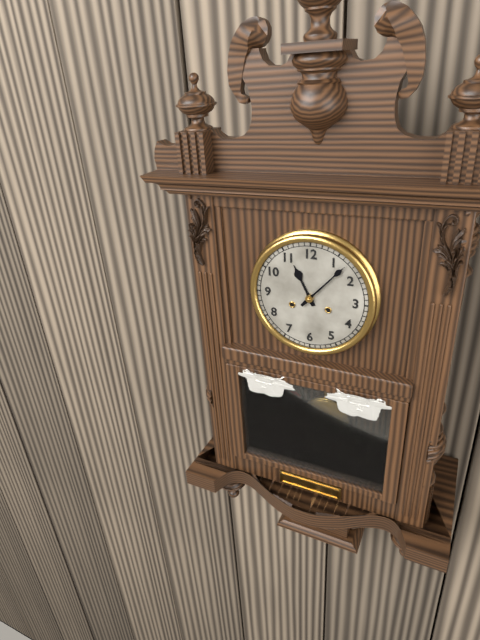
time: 11:07
